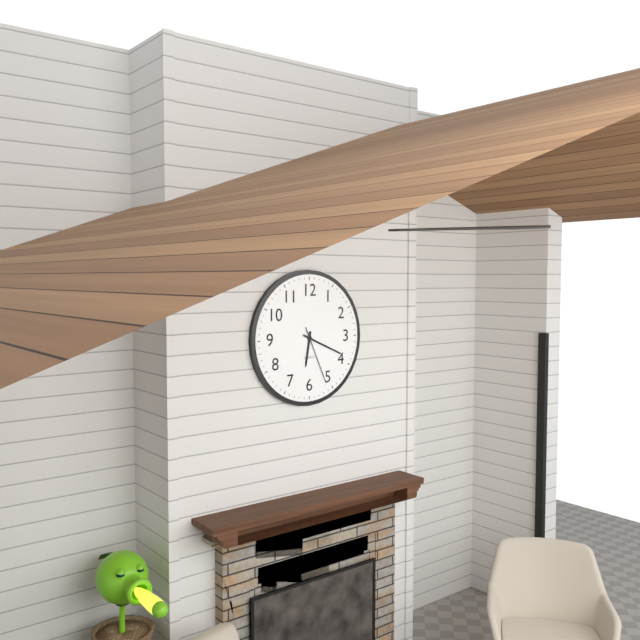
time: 6:19:26
